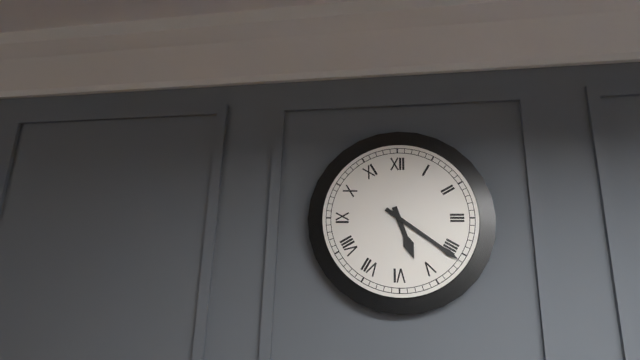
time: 5:21
